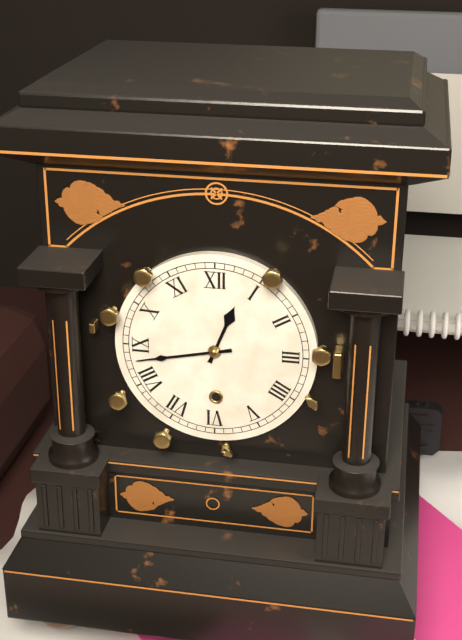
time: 12:43
